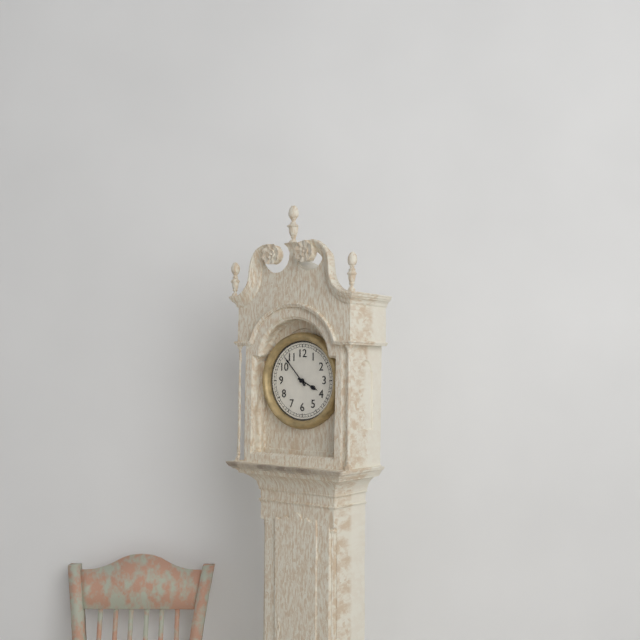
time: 3:53
